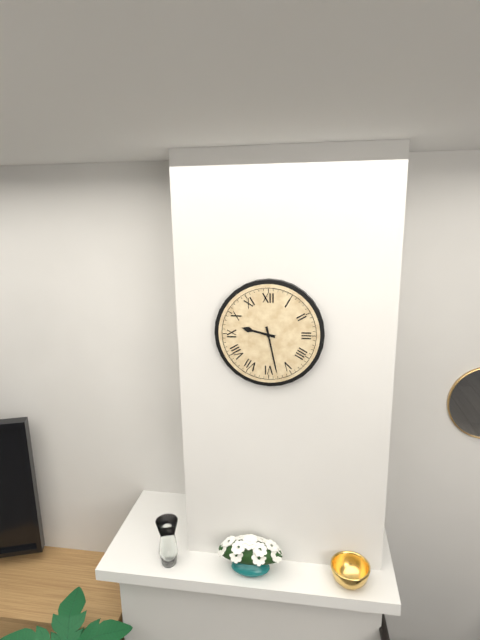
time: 9:28
